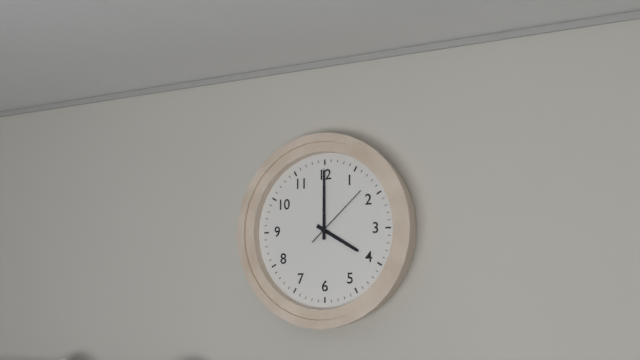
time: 4:00:08
